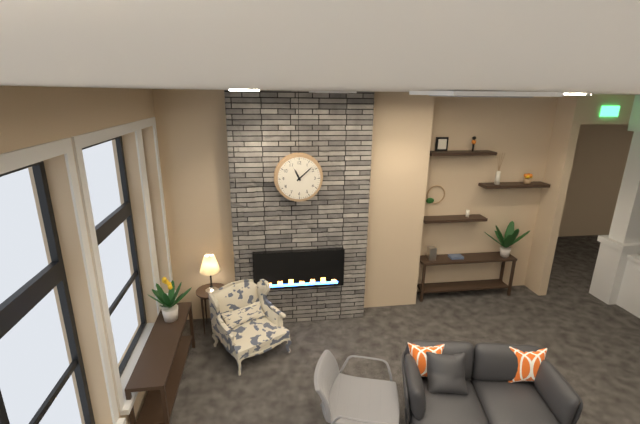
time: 11:08
